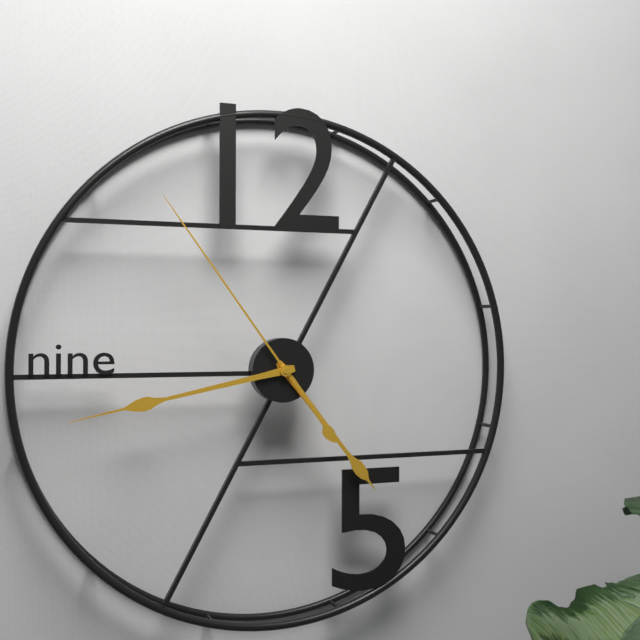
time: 4:43:54
